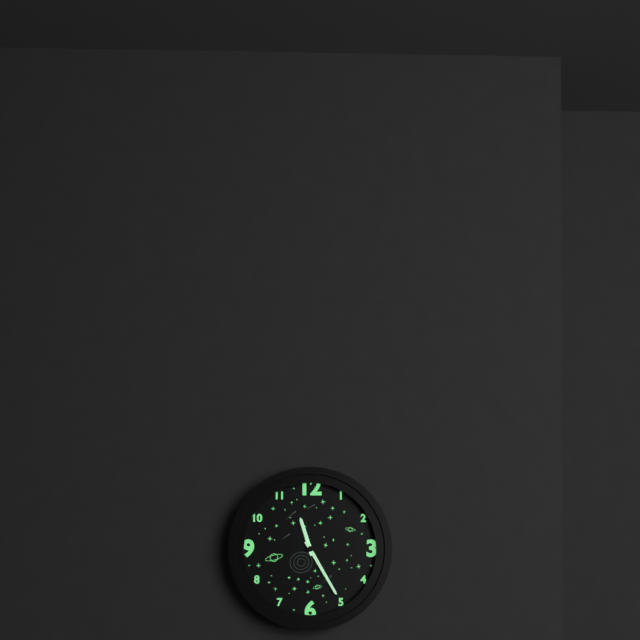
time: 11:25
